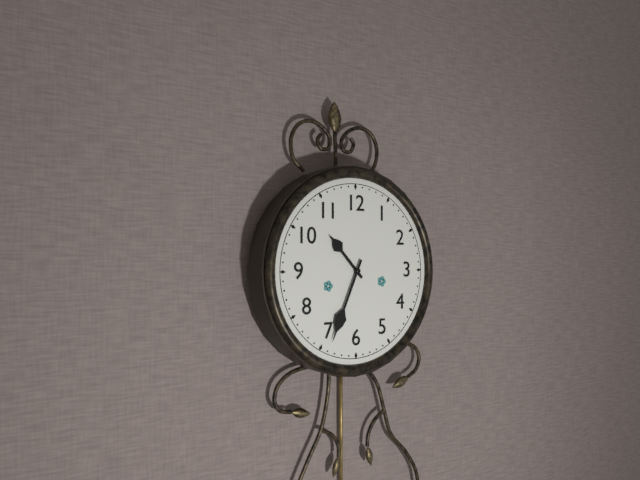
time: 10:34
